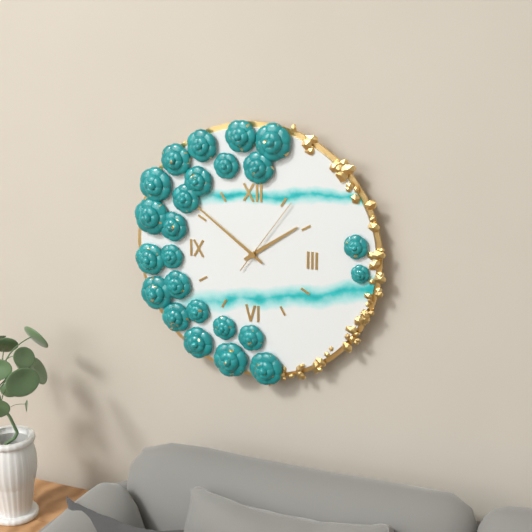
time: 1:51:06
